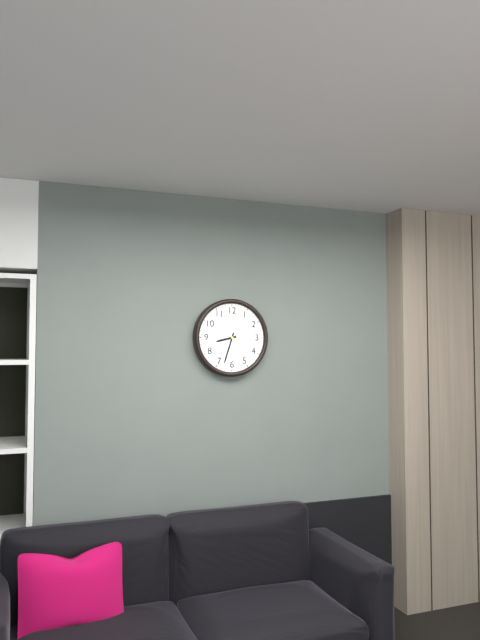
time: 8:33
